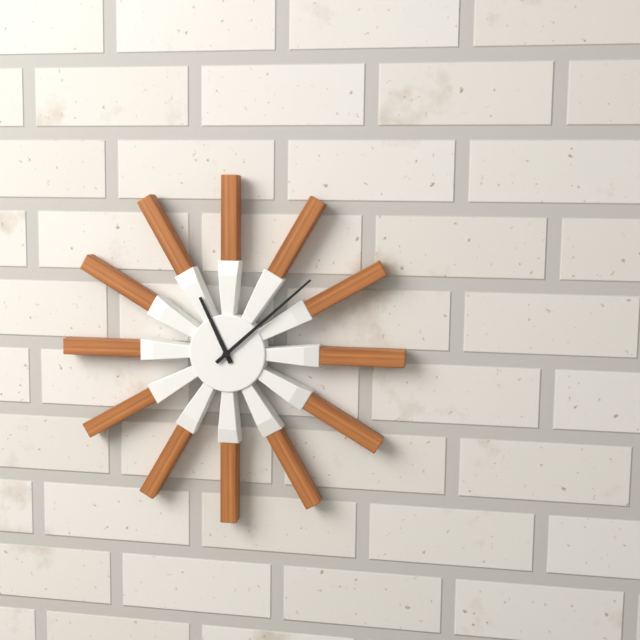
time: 11:08
